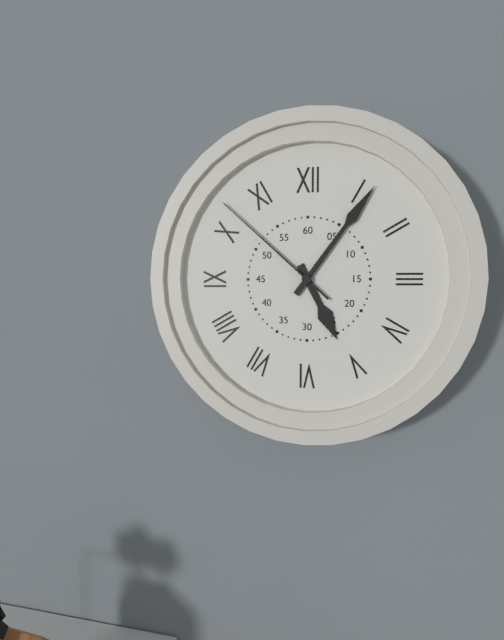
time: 5:06:52
